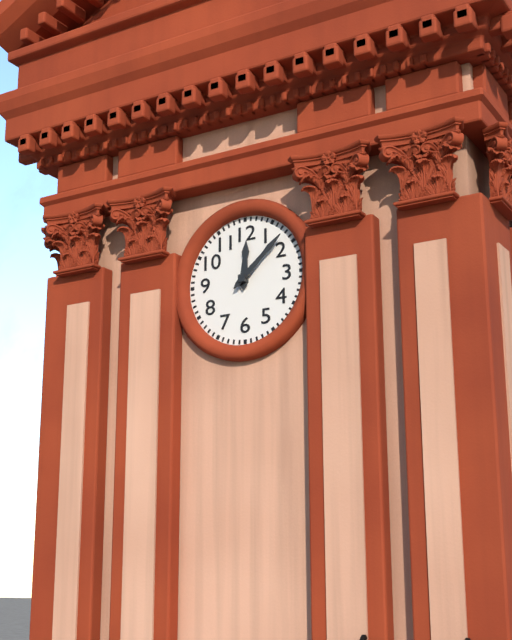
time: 12:08
